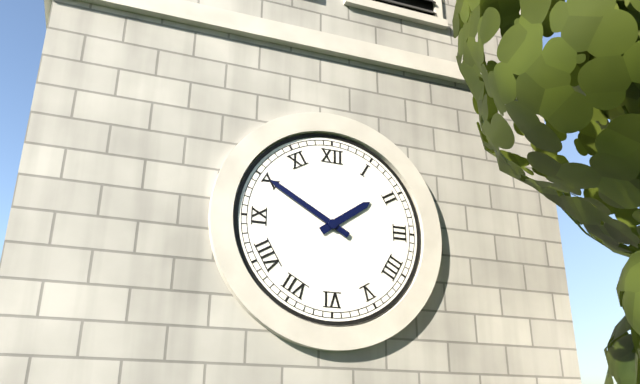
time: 1:50
